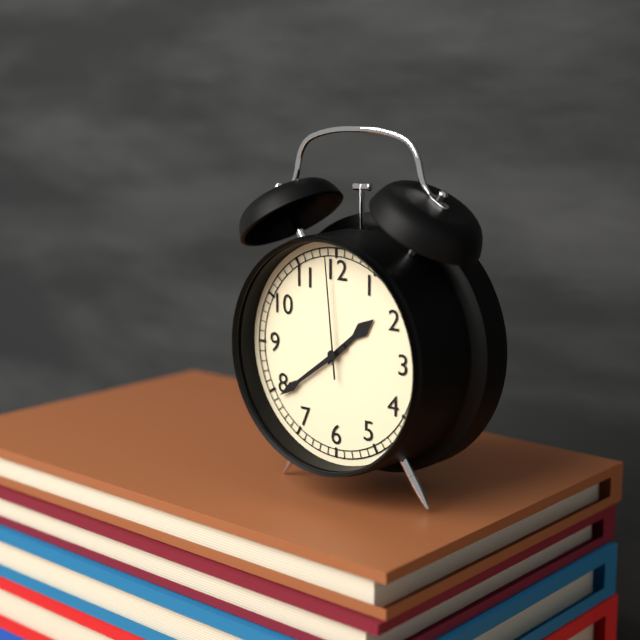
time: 1:39:59
